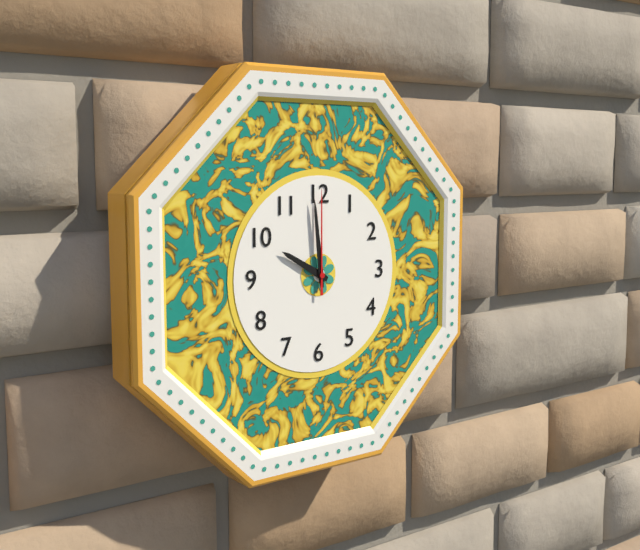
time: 9:59:00
